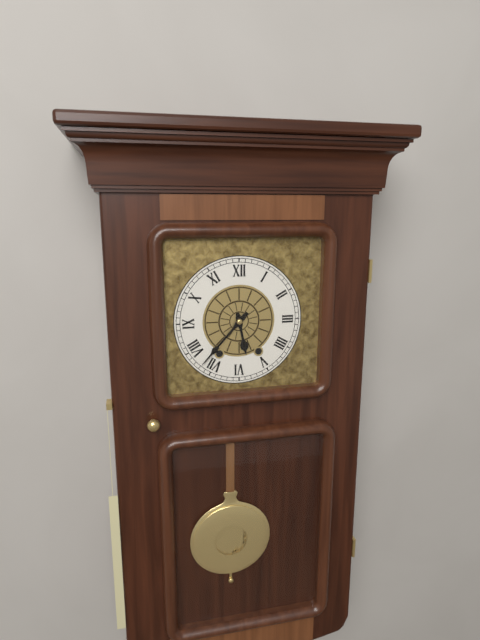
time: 5:37
